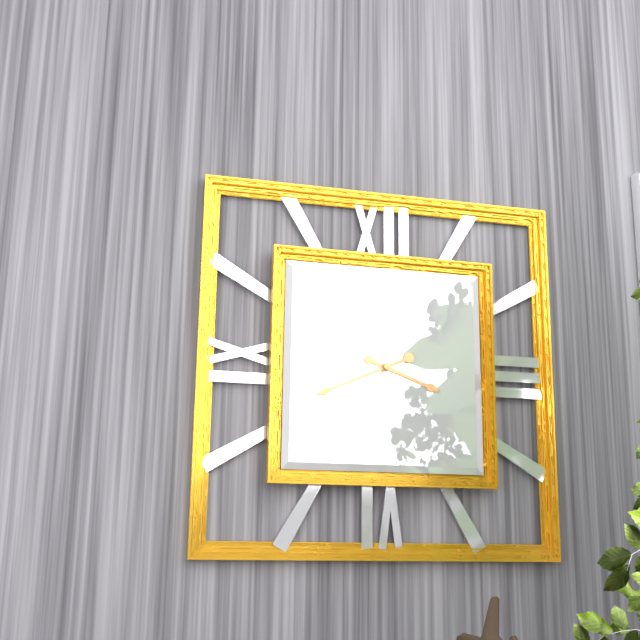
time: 3:41:06
